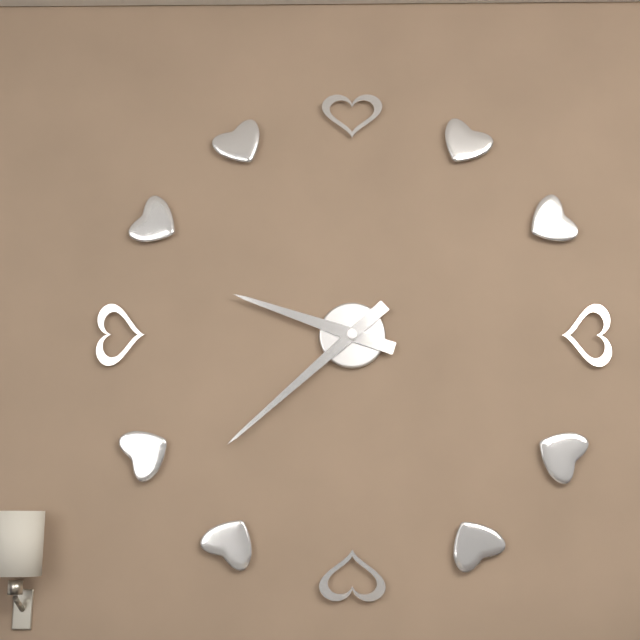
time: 9:38
